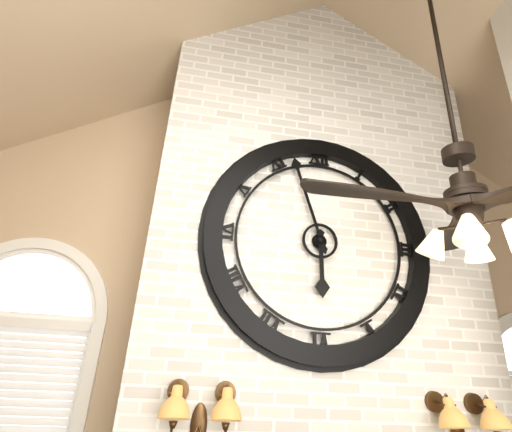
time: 5:57
